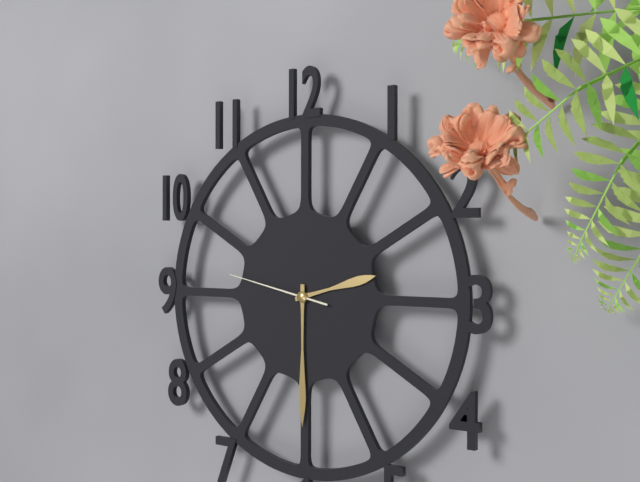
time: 2:30:47
